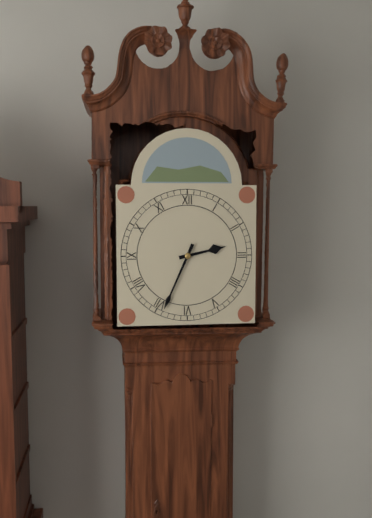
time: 2:34
